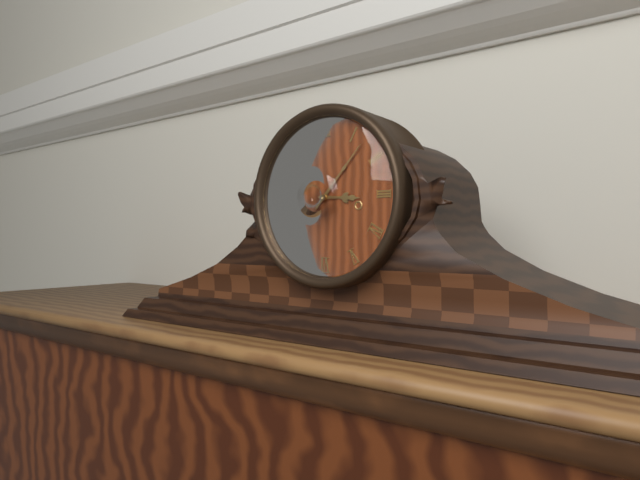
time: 3:07
